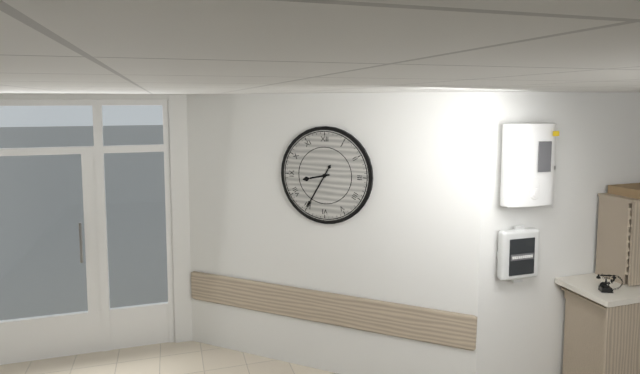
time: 8:35
